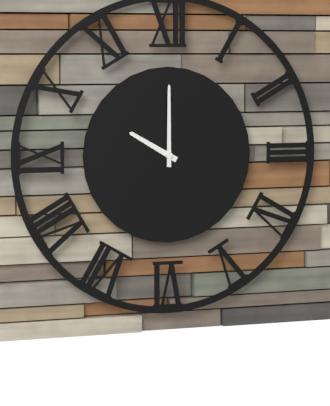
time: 10:00
